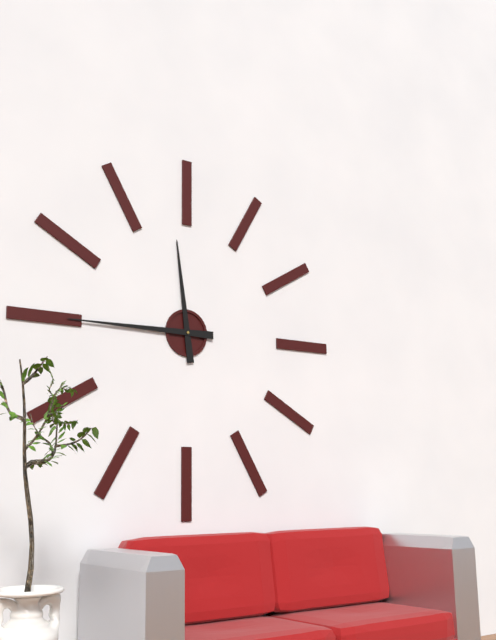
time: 11:45
